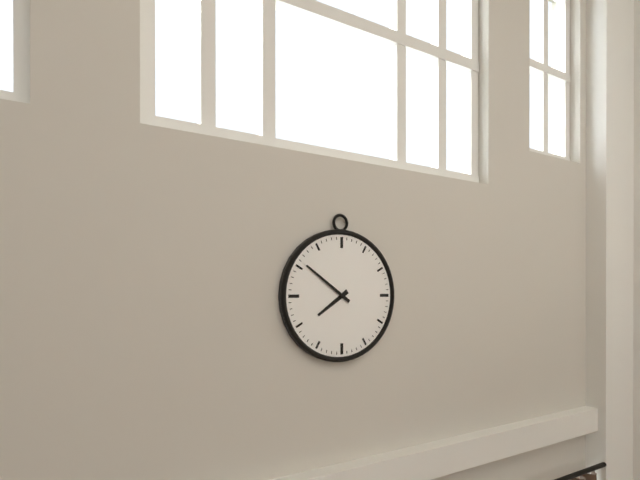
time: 7:51
